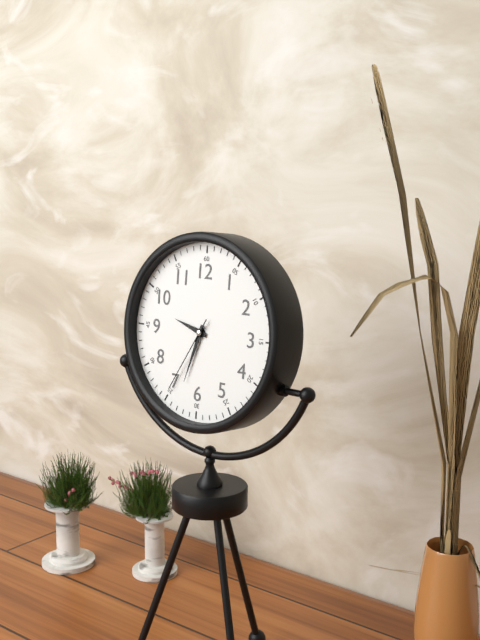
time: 9:33:35
